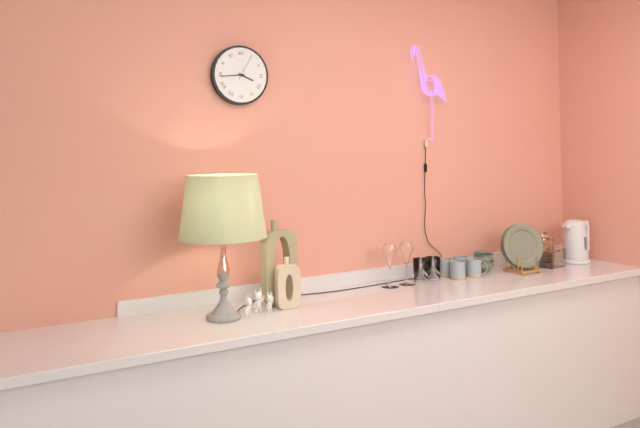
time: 3:44
